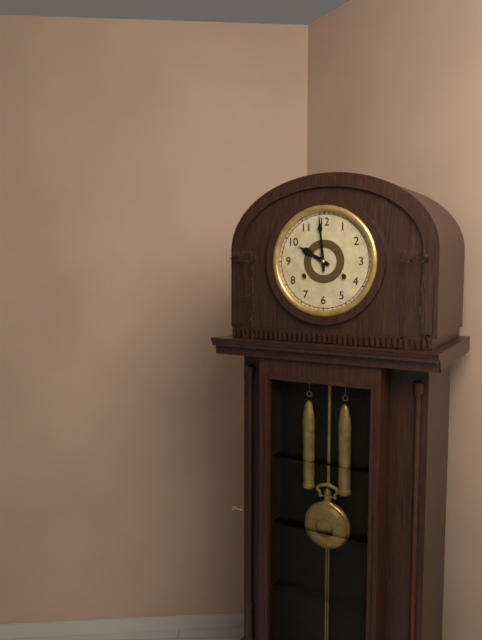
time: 9:59
